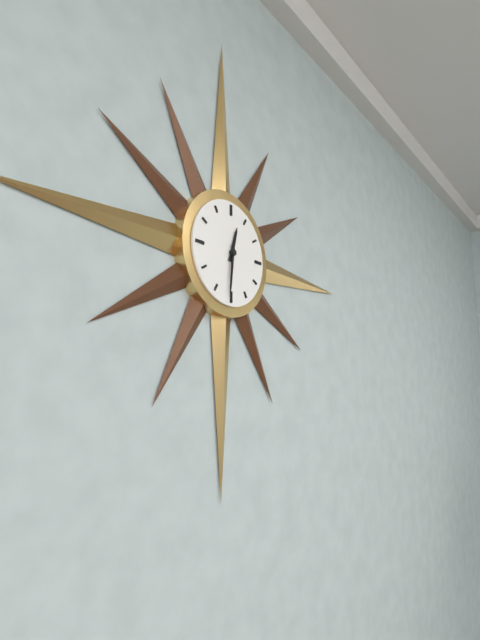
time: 12:31
